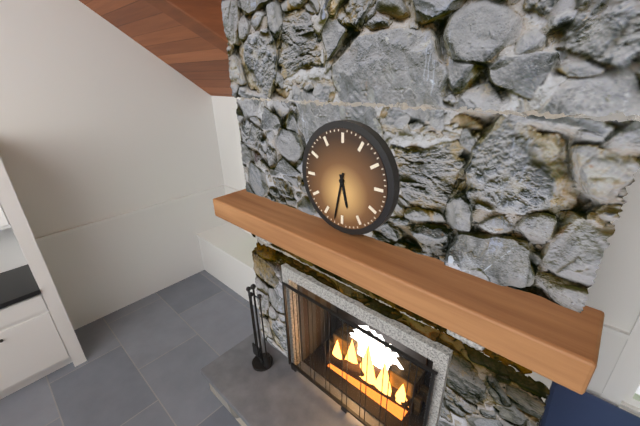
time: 5:32
